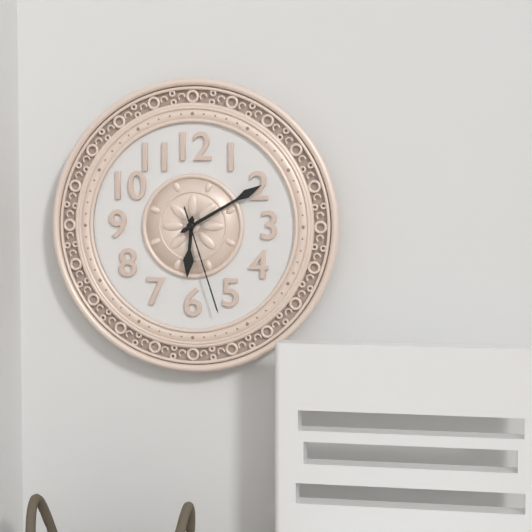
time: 6:10:27
